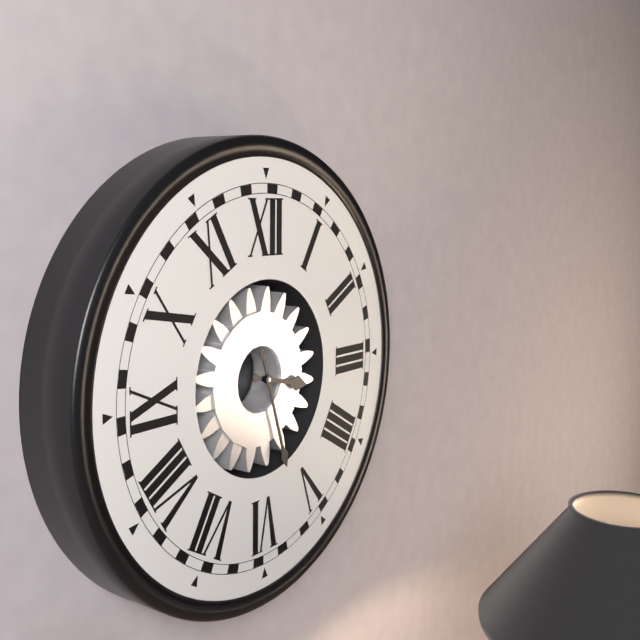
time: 3:27
